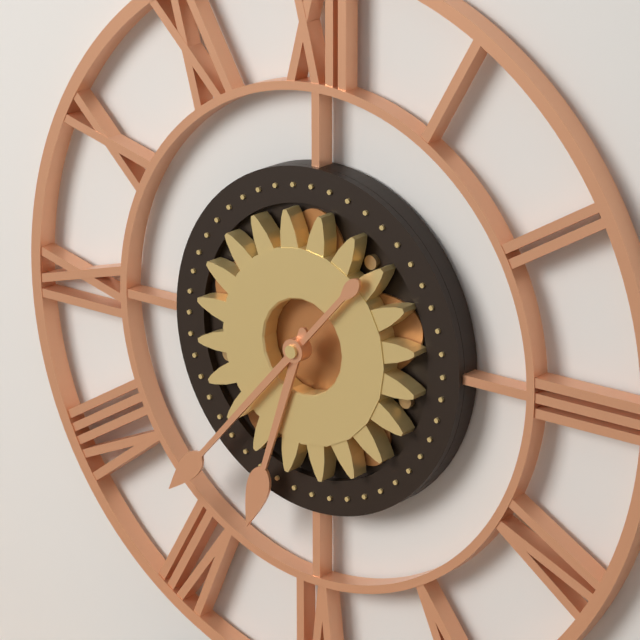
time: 6:37
